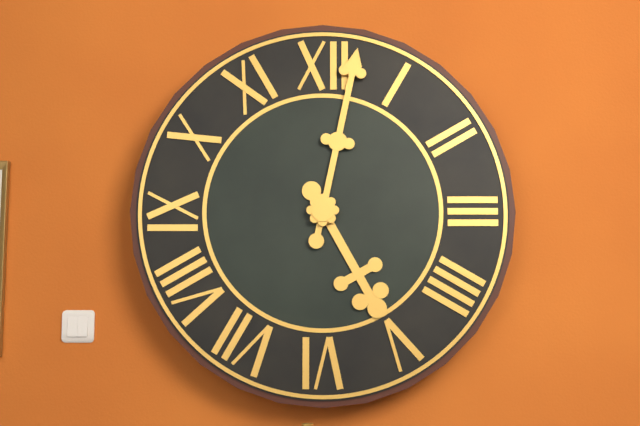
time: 5:02
